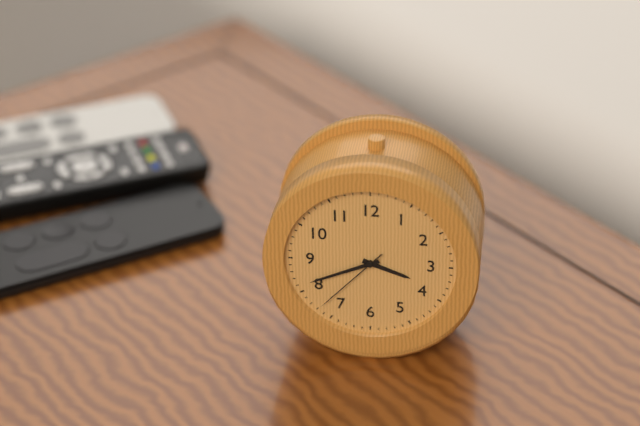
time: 3:41:37
